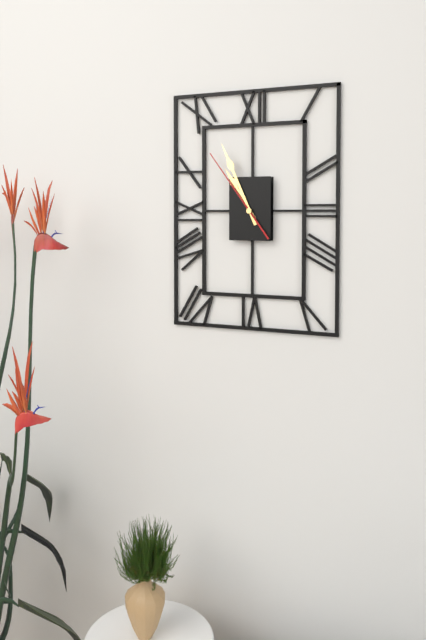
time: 10:56:54
